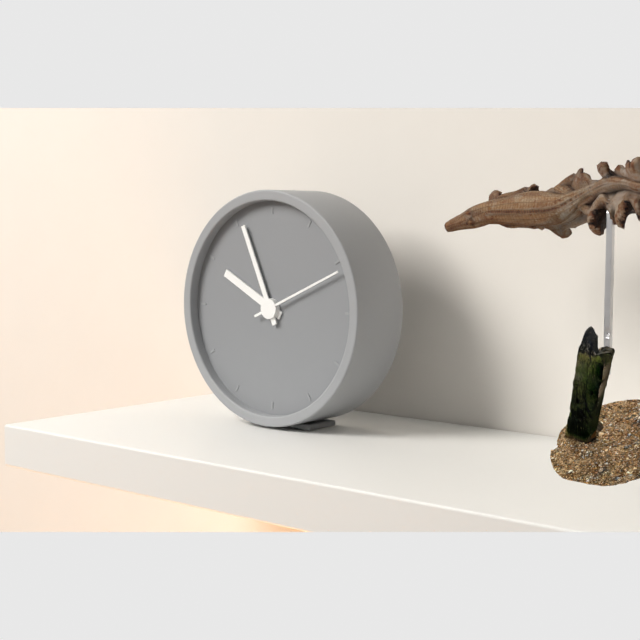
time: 9:56:11
